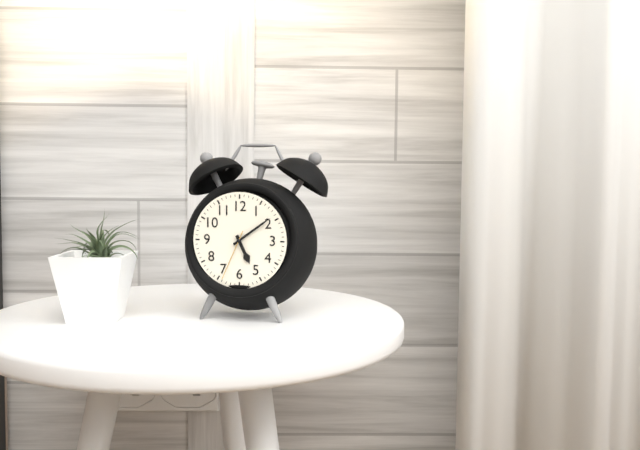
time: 5:09:34
